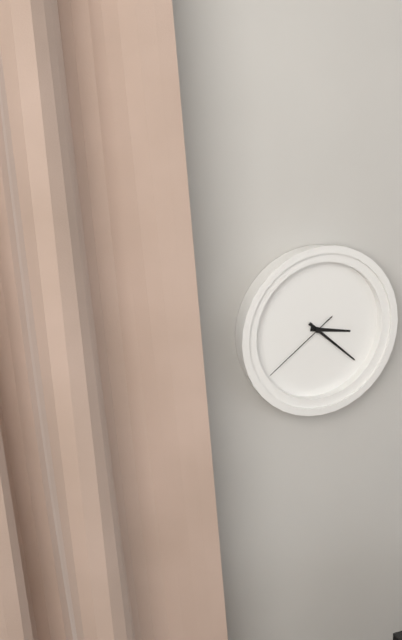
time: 3:22:39
